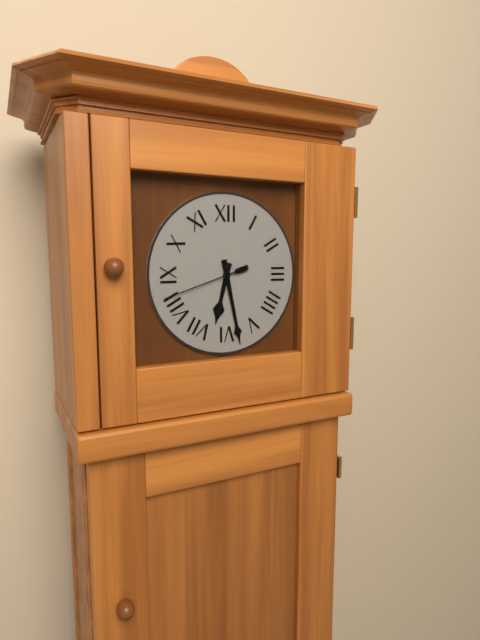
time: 6:28:42
